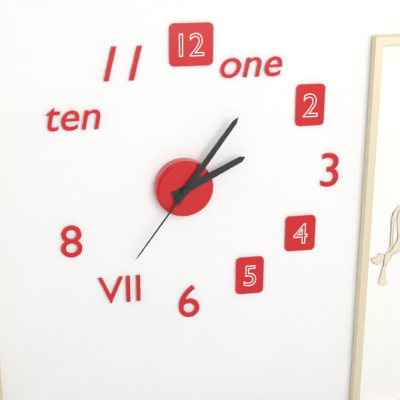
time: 2:06:36
